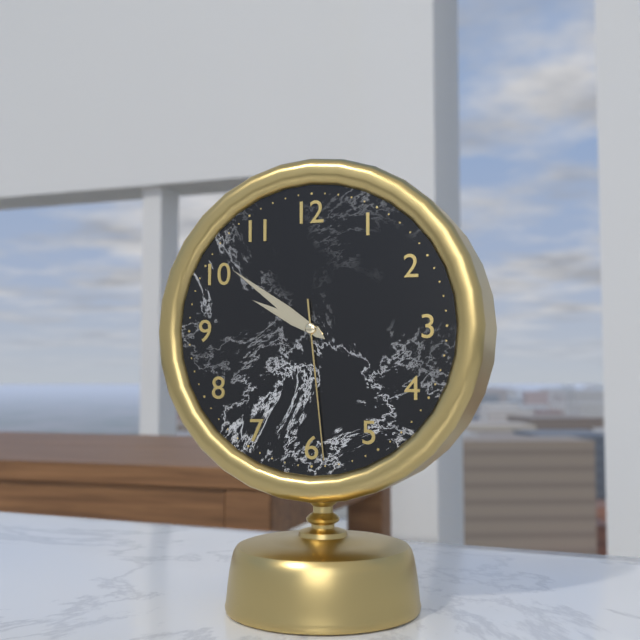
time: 9:51:29
